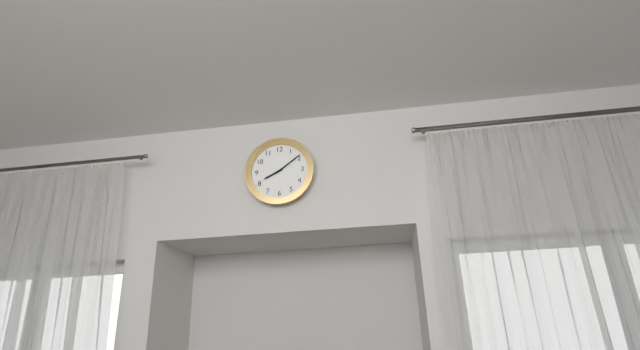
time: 8:09
